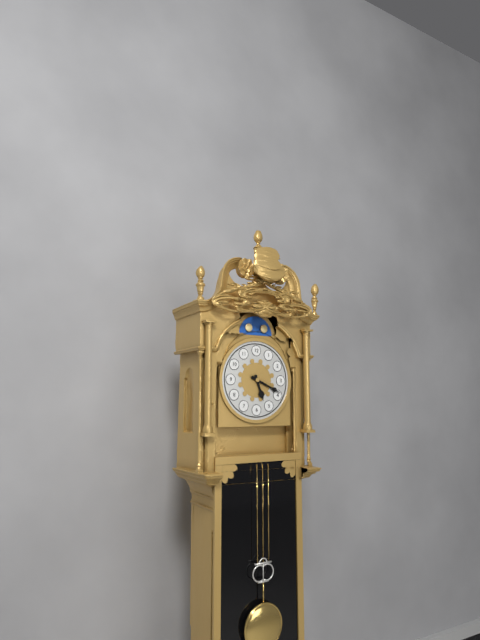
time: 5:19
